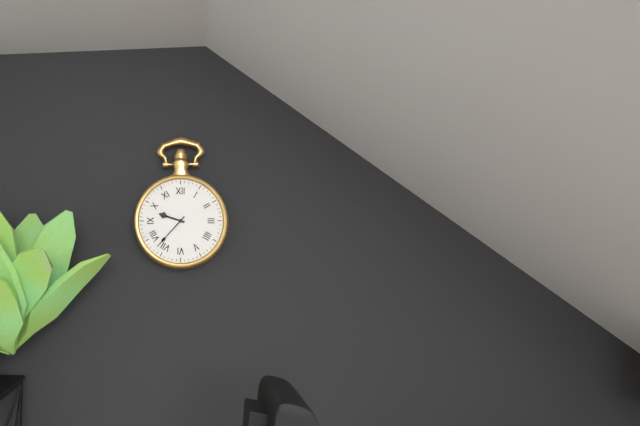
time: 9:37
